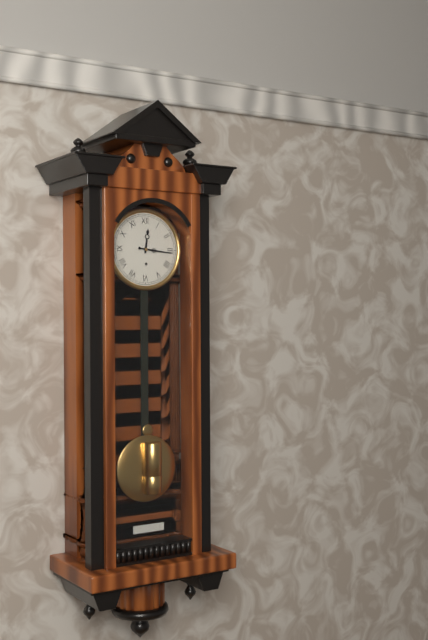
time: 12:16
